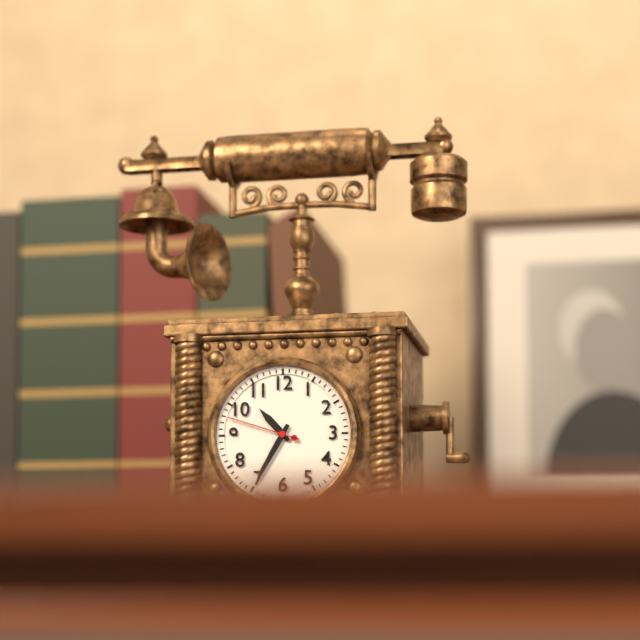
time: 10:35:48
